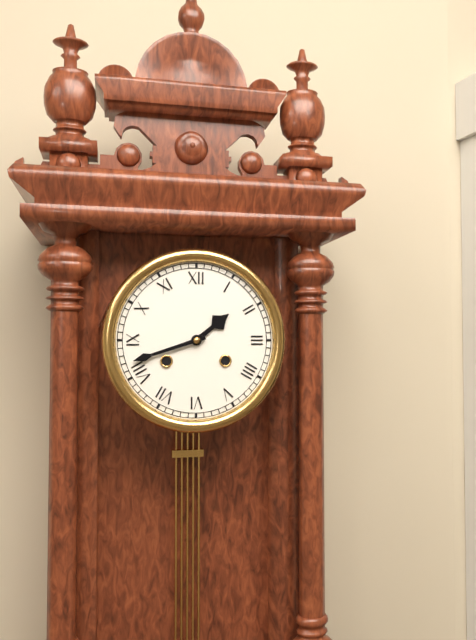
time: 1:42
